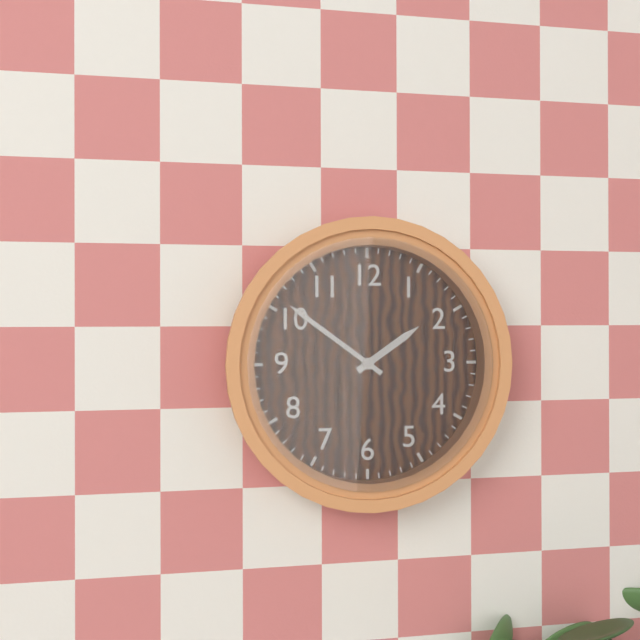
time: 1:51
